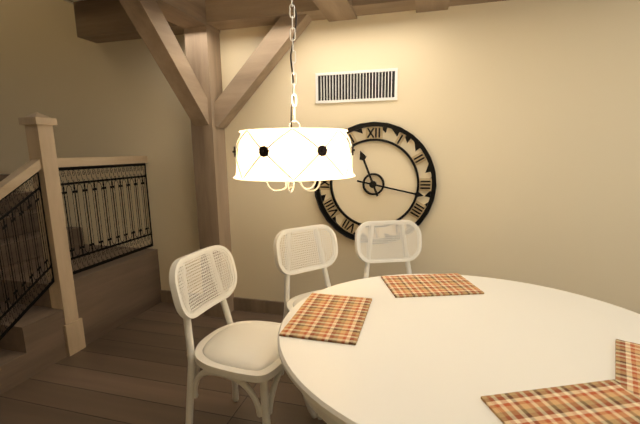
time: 11:17
